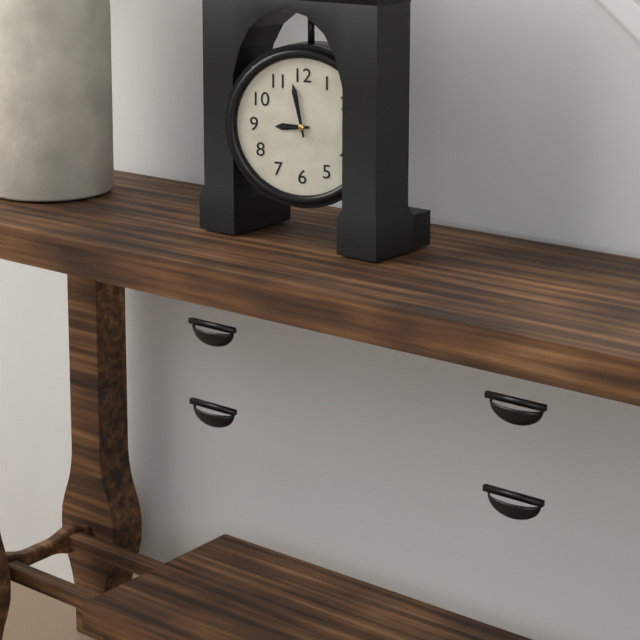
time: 8:58
